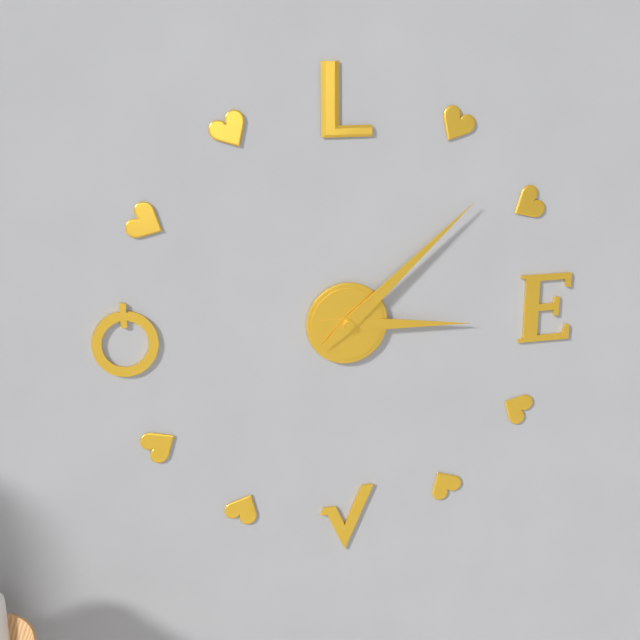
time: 3:08
